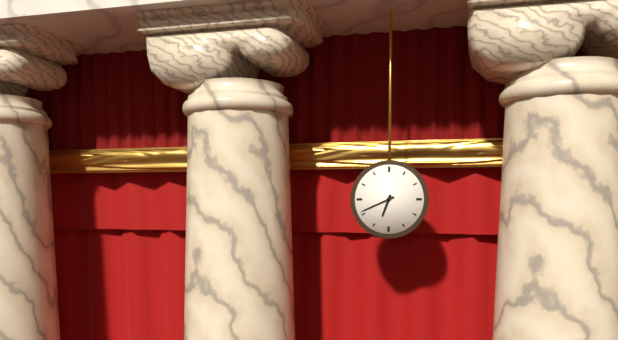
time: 6:41
